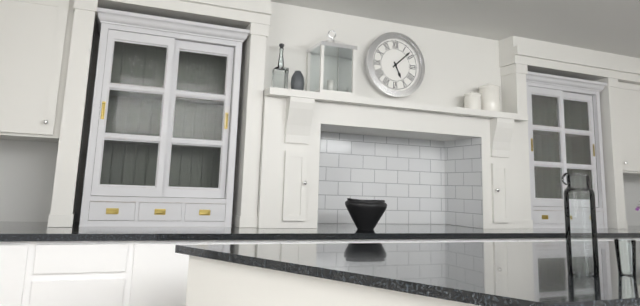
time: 5:08
